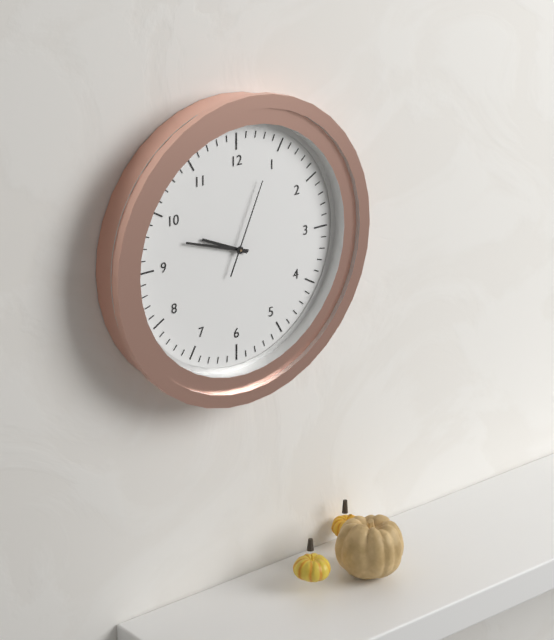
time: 9:48:04
